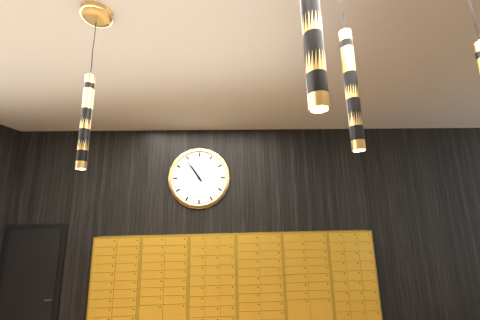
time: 10:54
